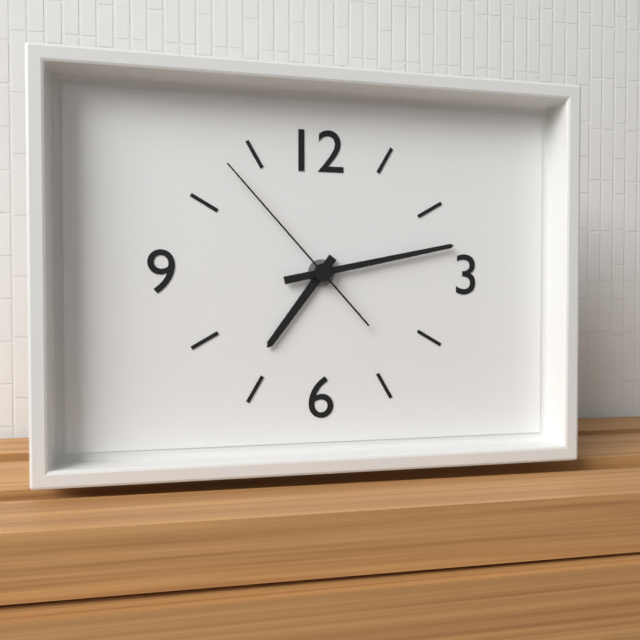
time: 7:13:53
